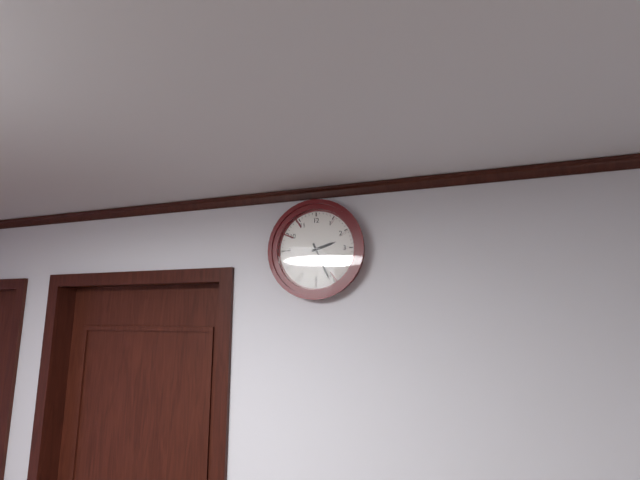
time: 2:26
